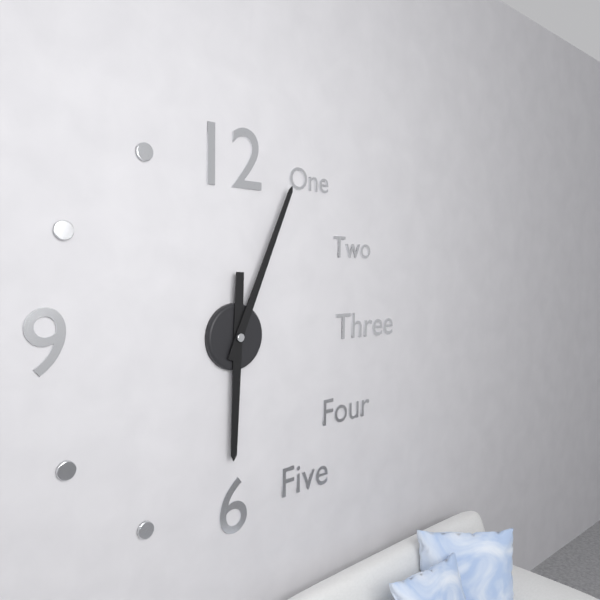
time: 6:04
